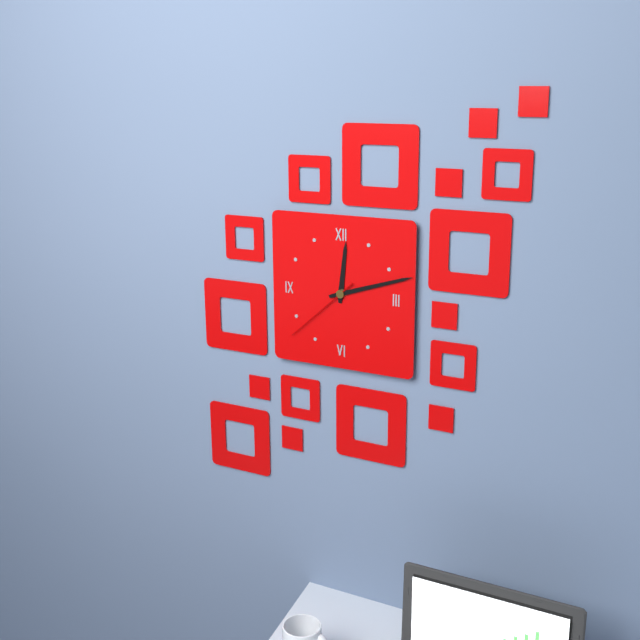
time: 12:12:38
